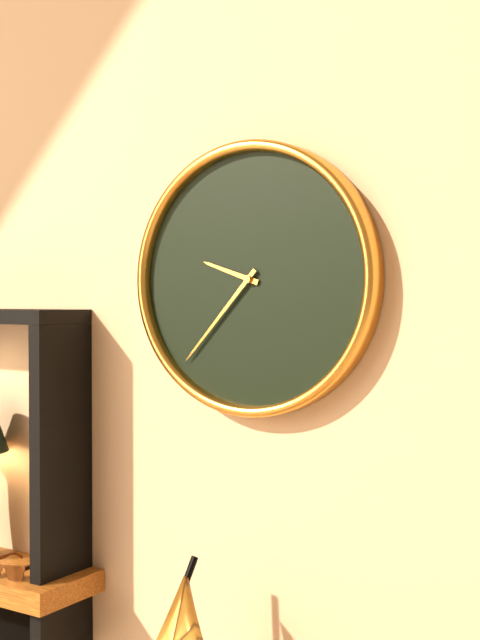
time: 9:37
